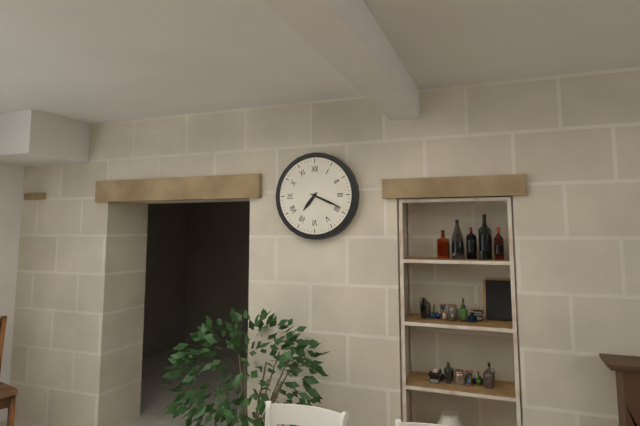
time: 7:19
